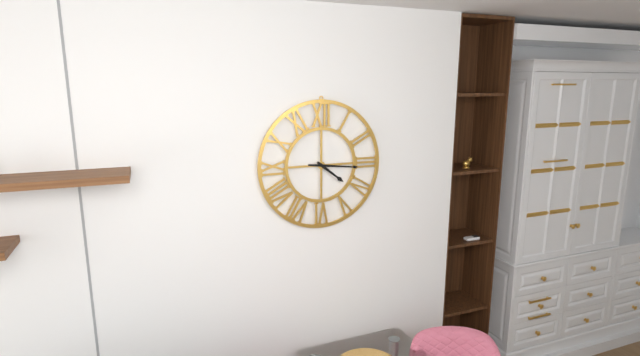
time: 4:16
